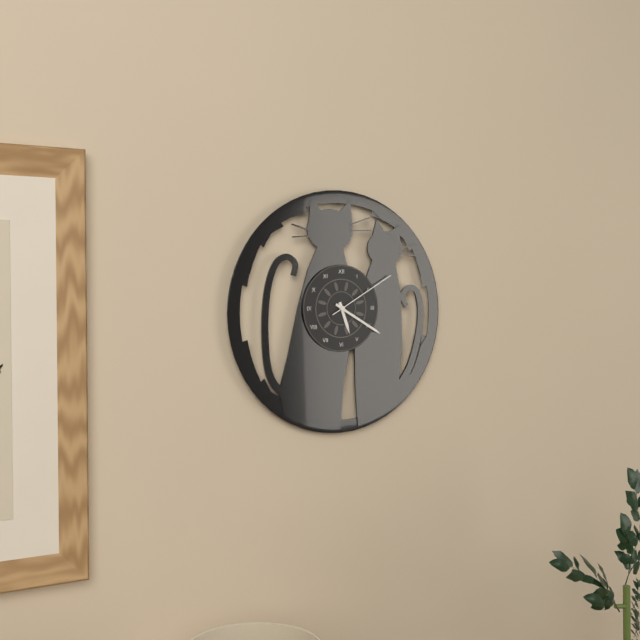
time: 5:20:10
